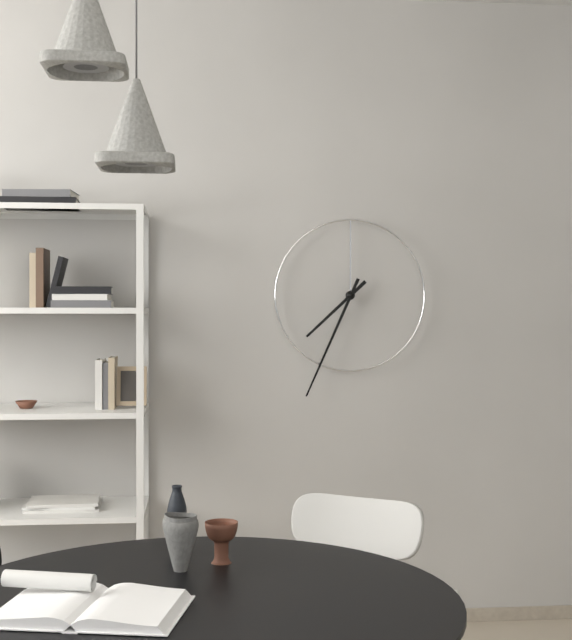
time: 7:34
